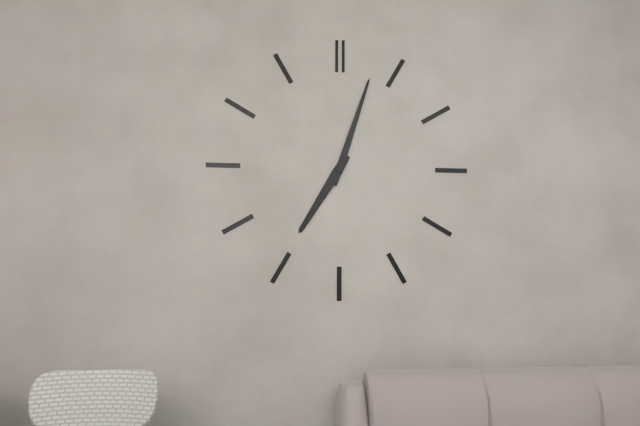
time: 7:03
